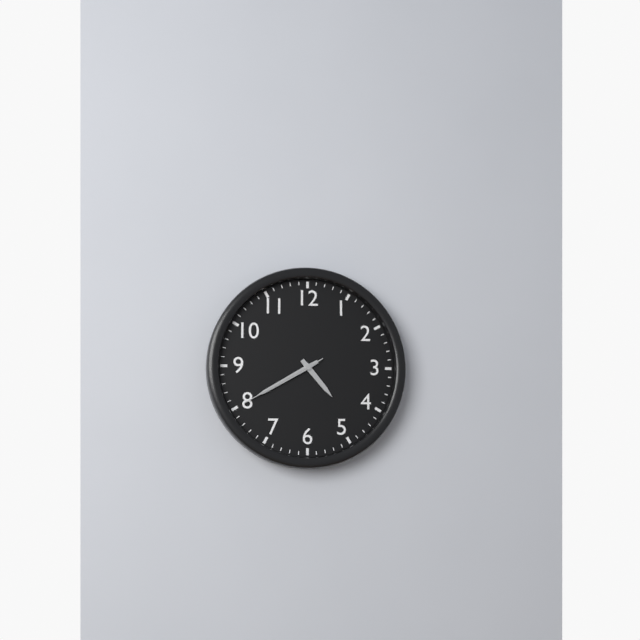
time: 4:40:40
